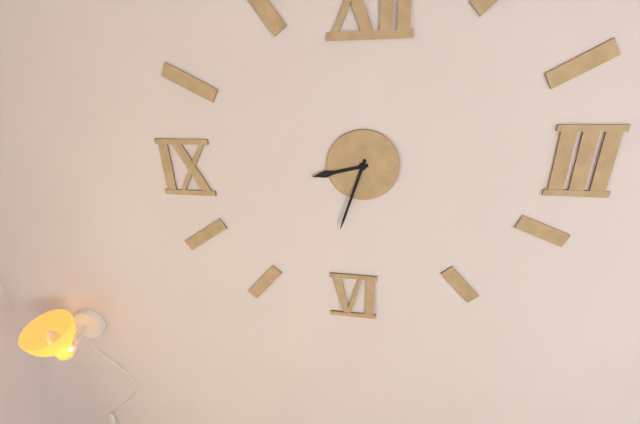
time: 8:33
